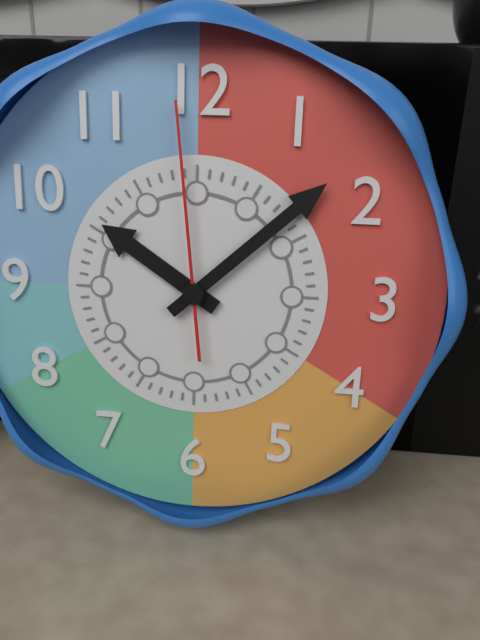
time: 10:08:59
